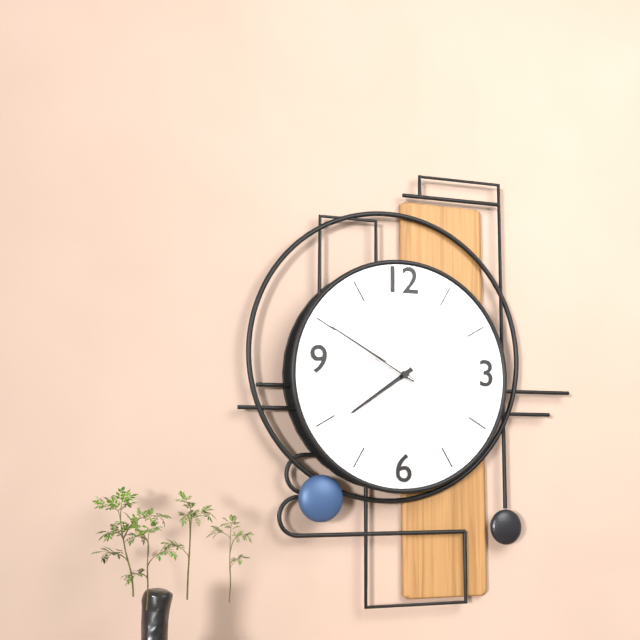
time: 7:50:20
